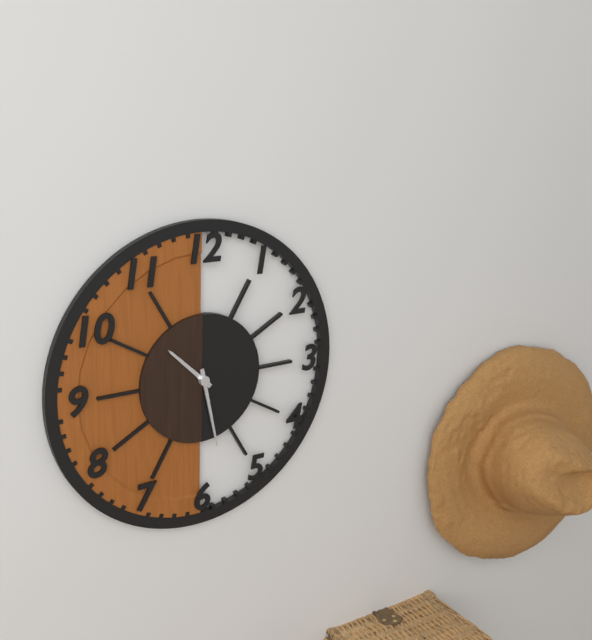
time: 10:28
